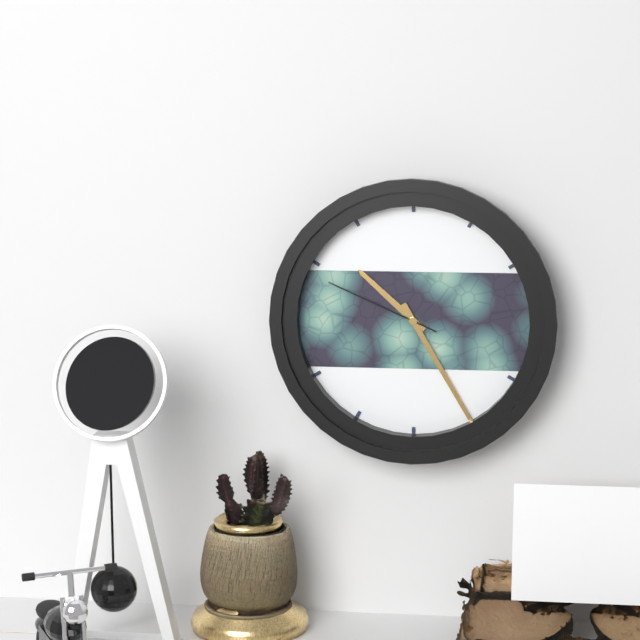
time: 10:25:49
